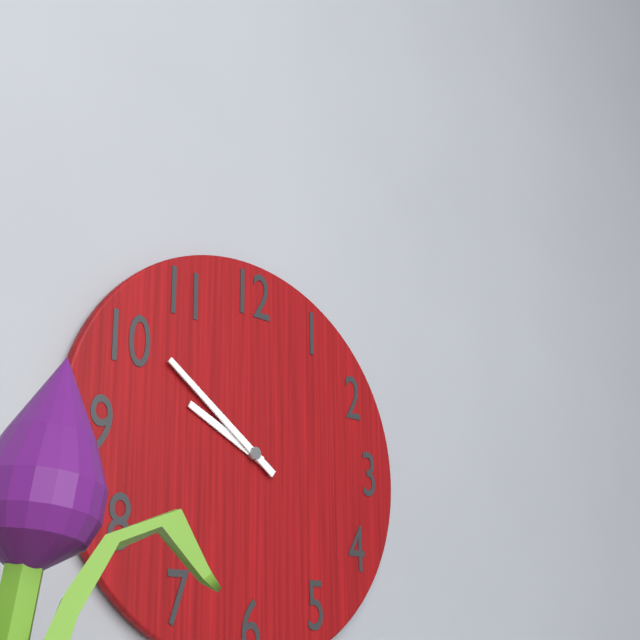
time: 9:51
